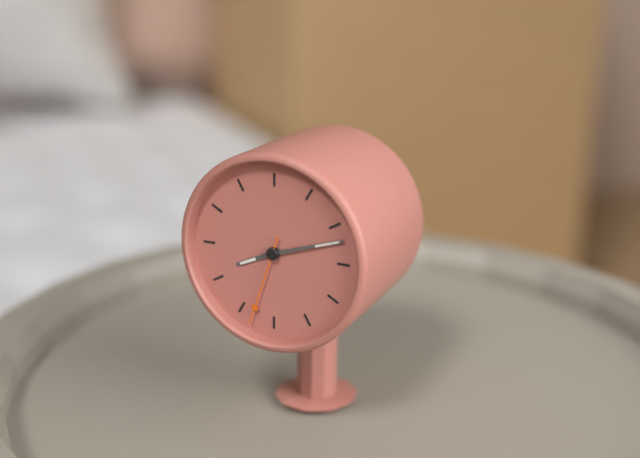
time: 8:12:33
